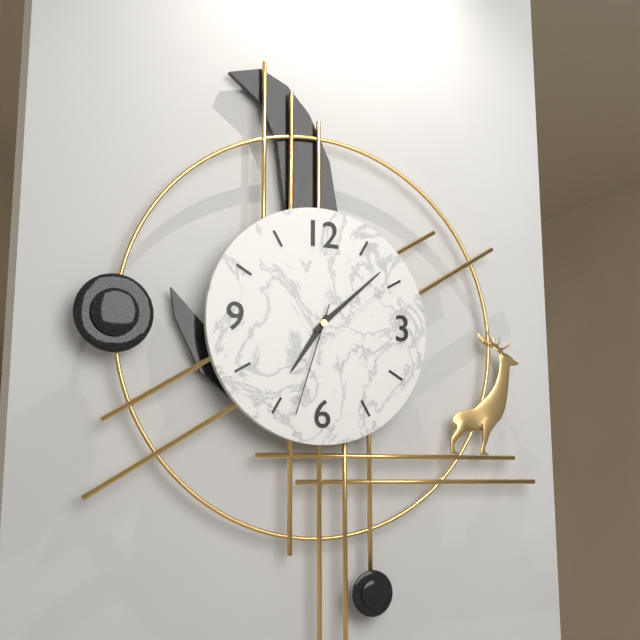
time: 7:08:33
